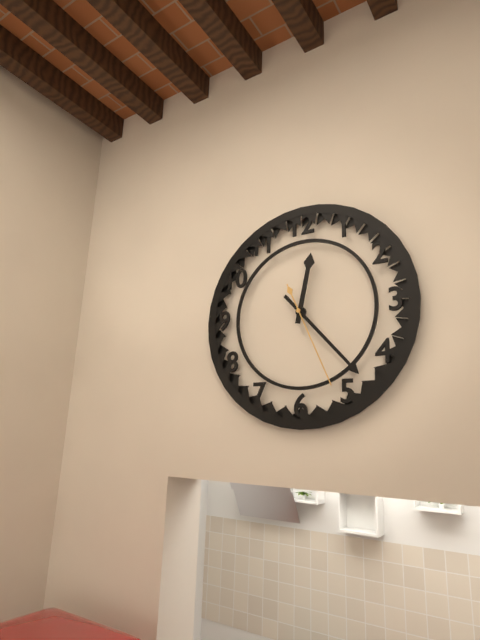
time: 12:23:26
